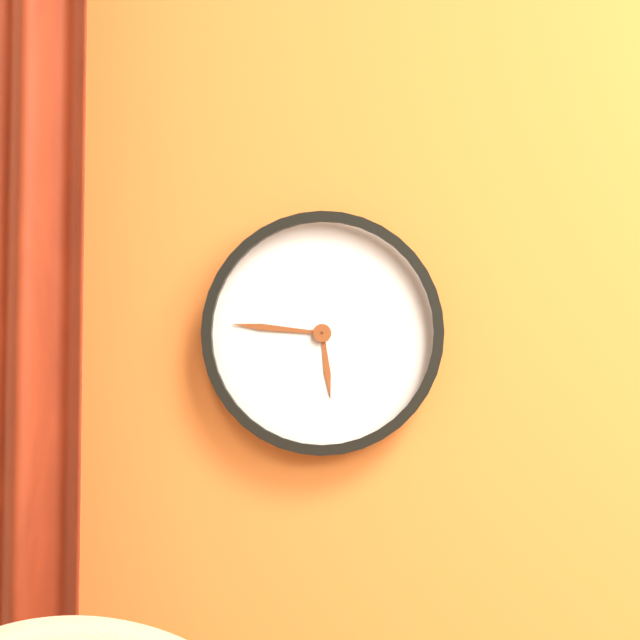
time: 5:46
